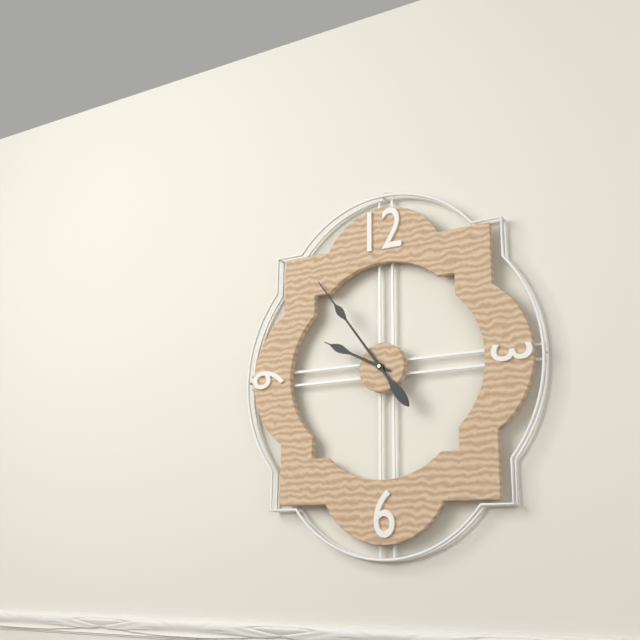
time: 9:54
